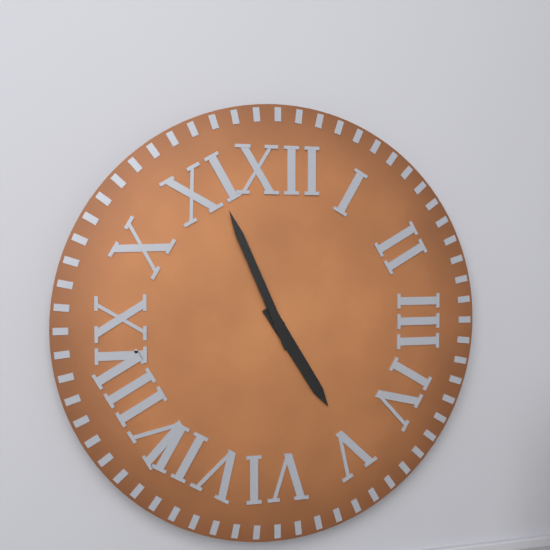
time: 4:56
